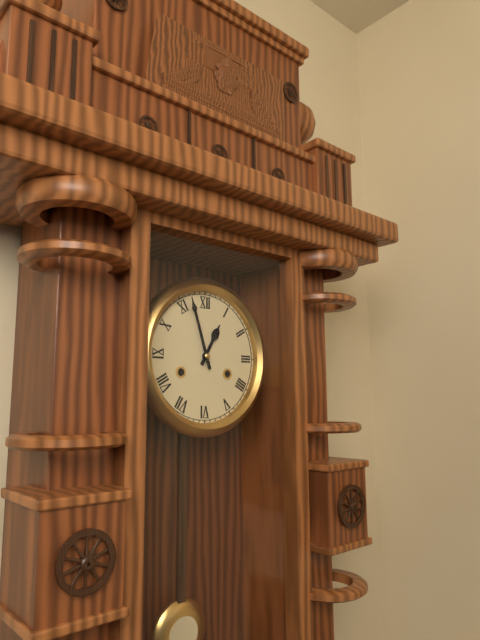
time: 12:57
